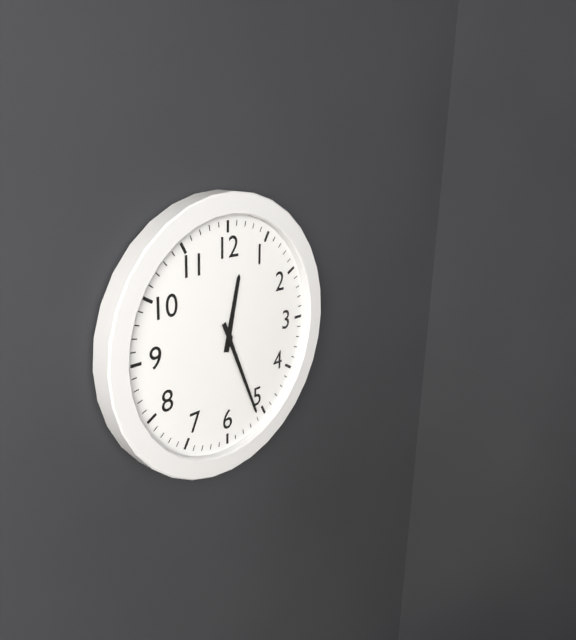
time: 12:26
